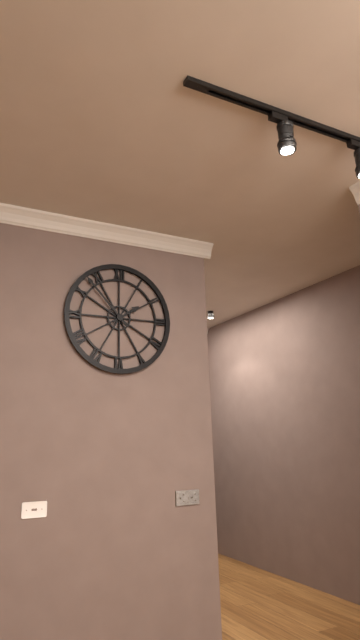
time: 1:53
